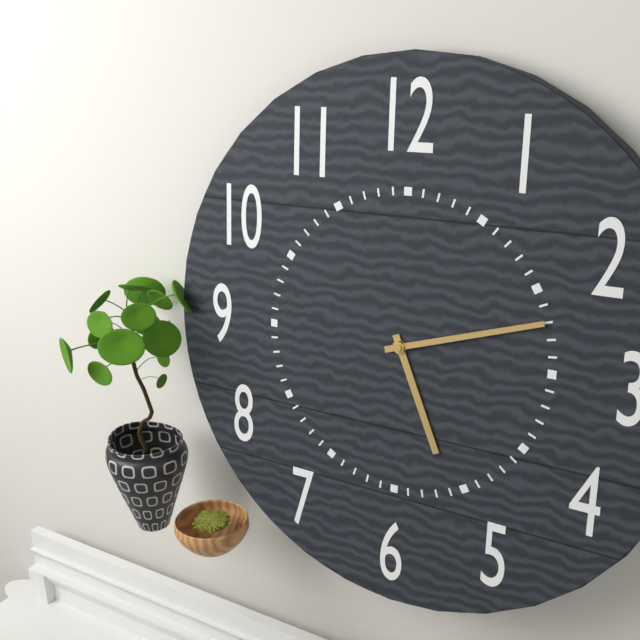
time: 5:12
